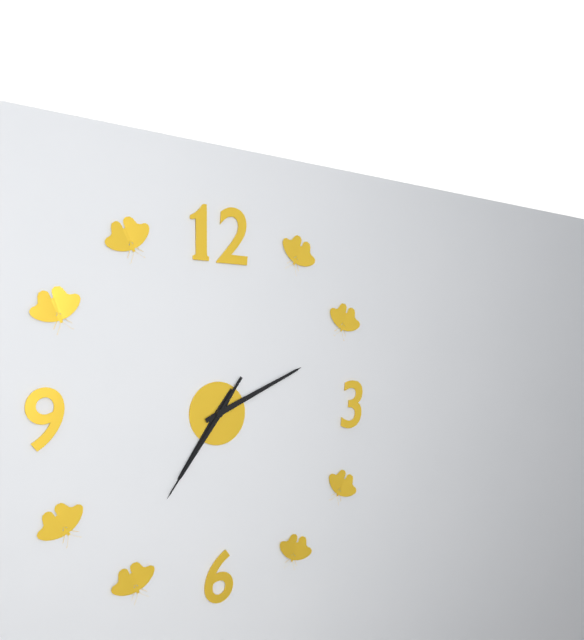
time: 7:11:36
